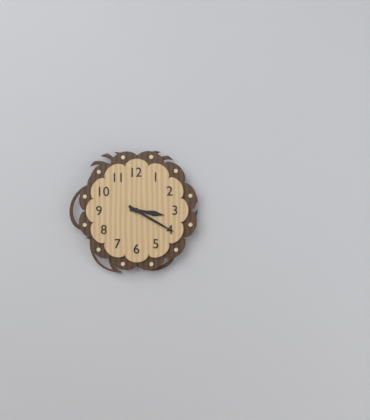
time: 3:20
